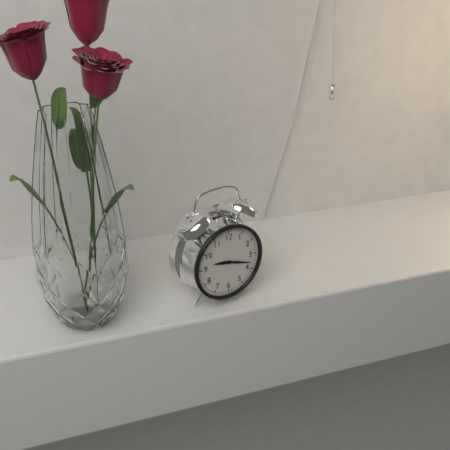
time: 9:18
